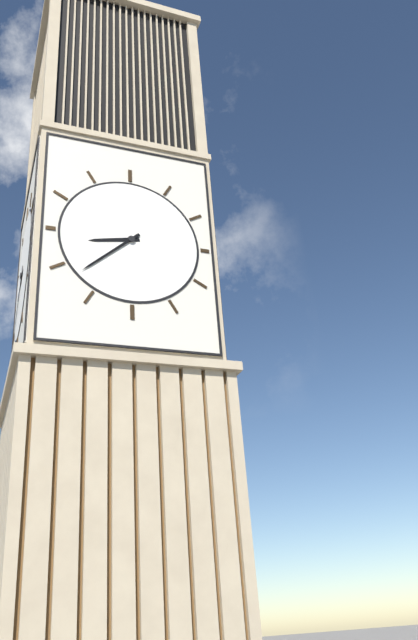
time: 8:38
